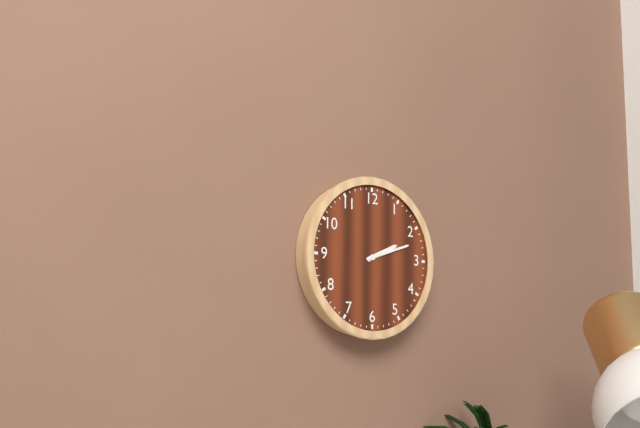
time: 2:12
